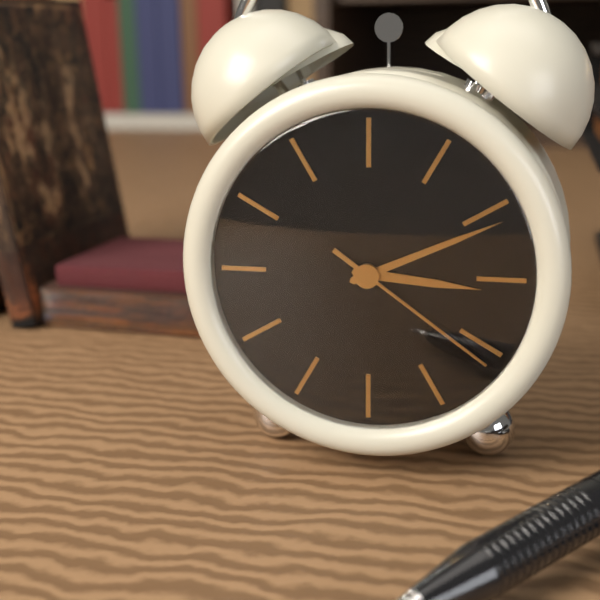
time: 3:11:21
